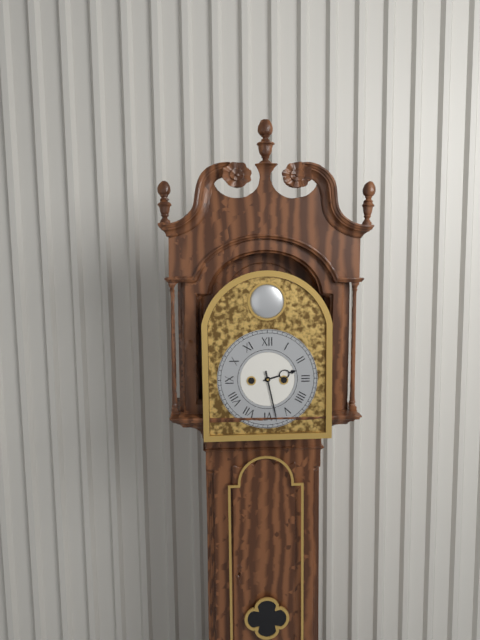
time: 2:28
